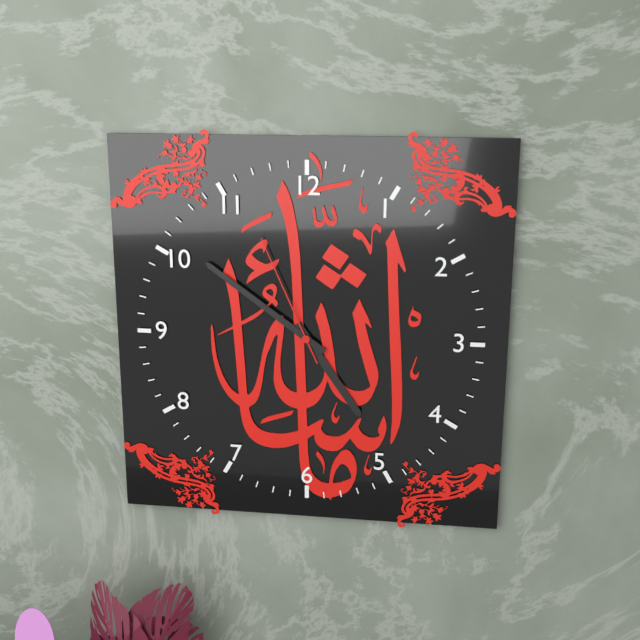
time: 4:51:56
